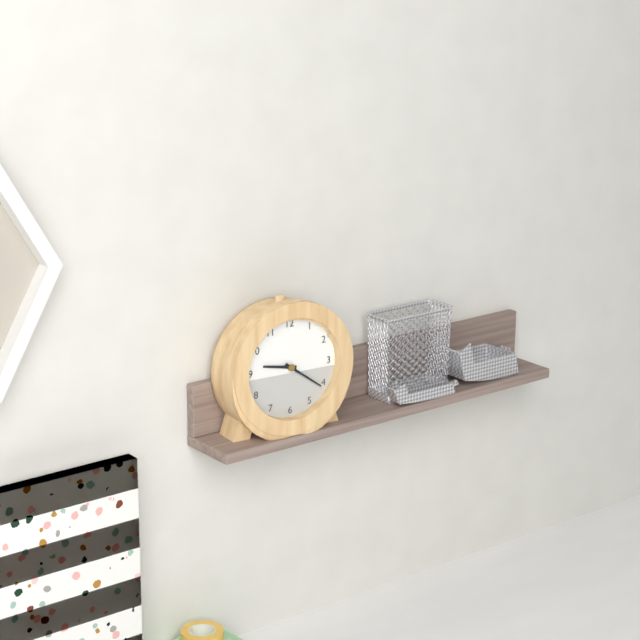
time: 9:21
